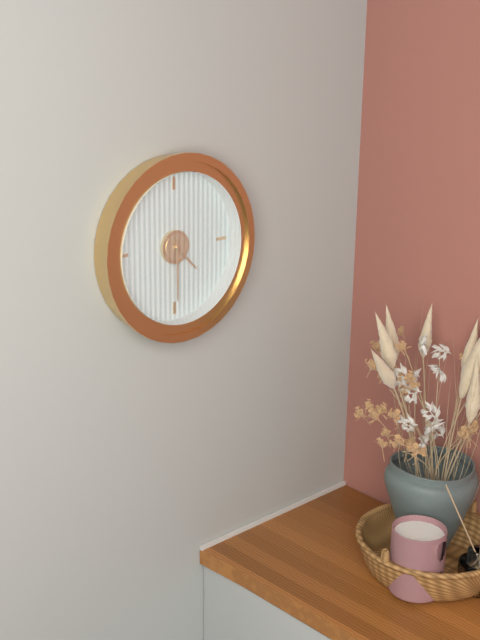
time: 4:30
